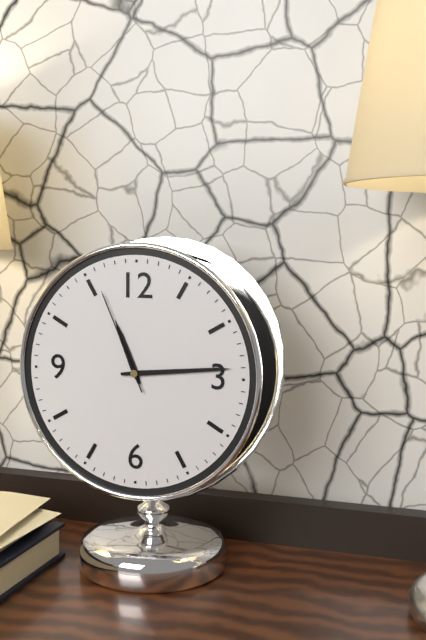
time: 11:14:56
